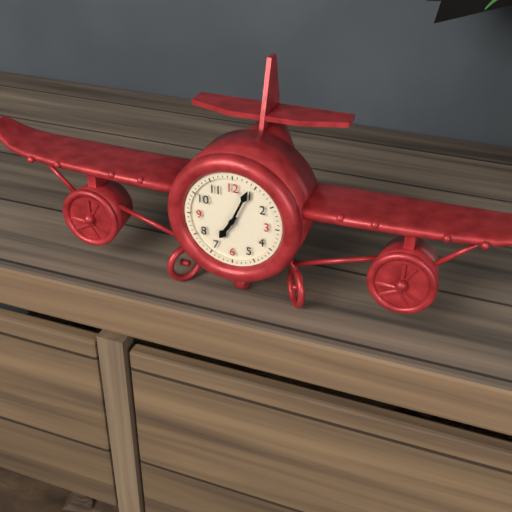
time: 7:04
